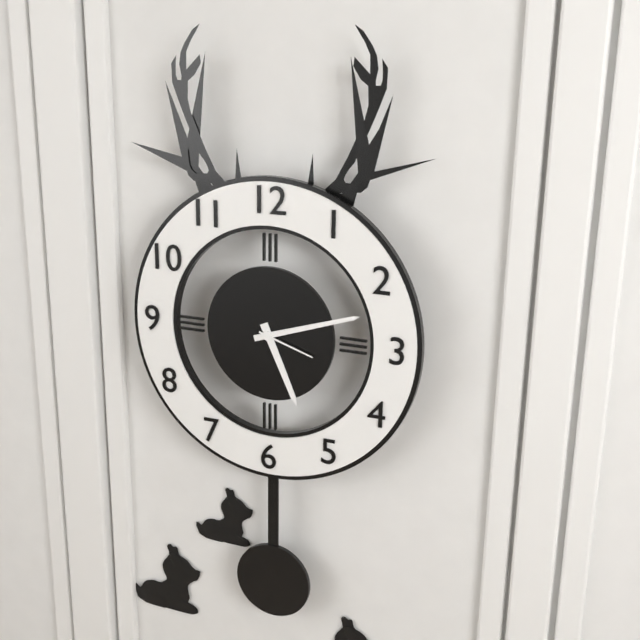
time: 5:12:18
